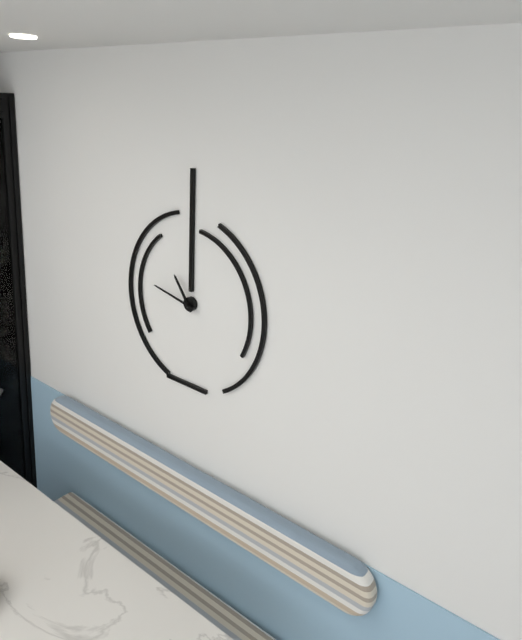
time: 10:47
